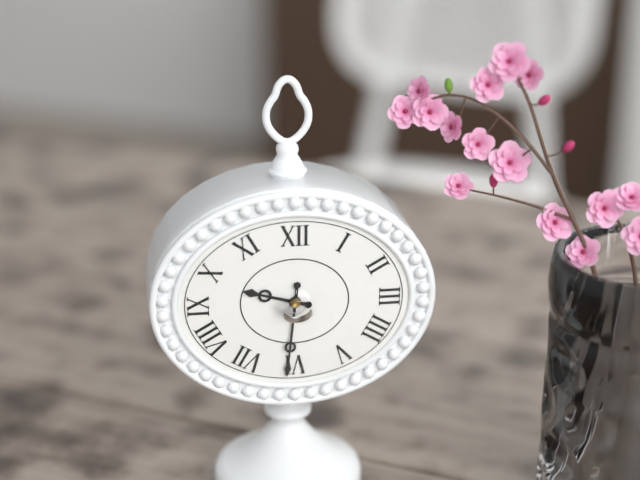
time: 9:31
